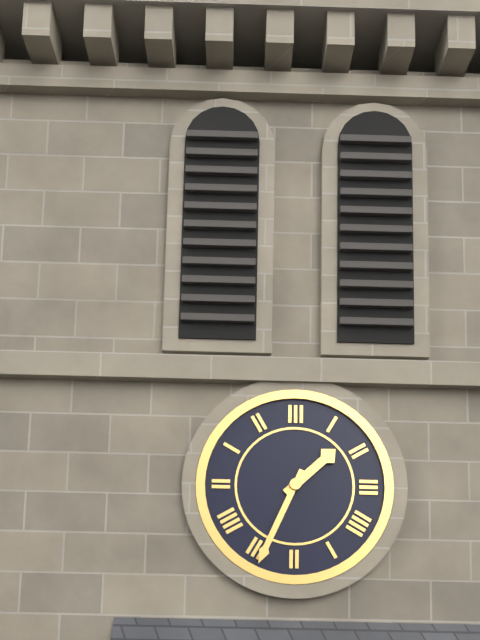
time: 1:34
